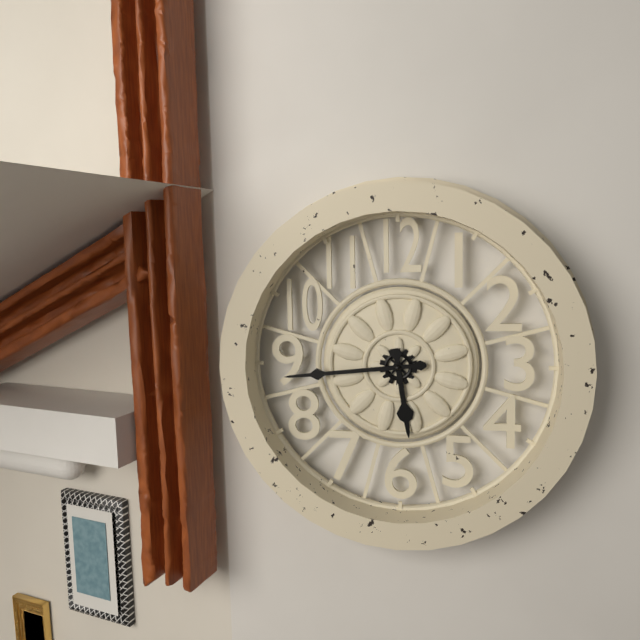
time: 5:44
